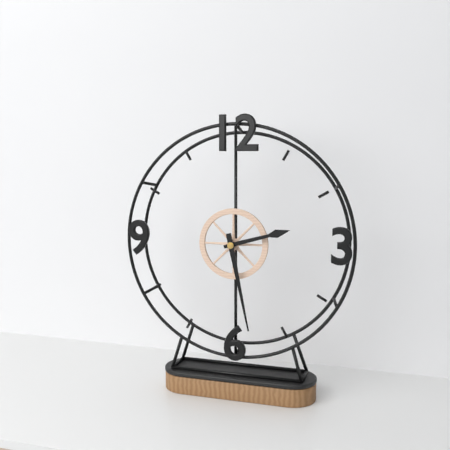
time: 2:28
